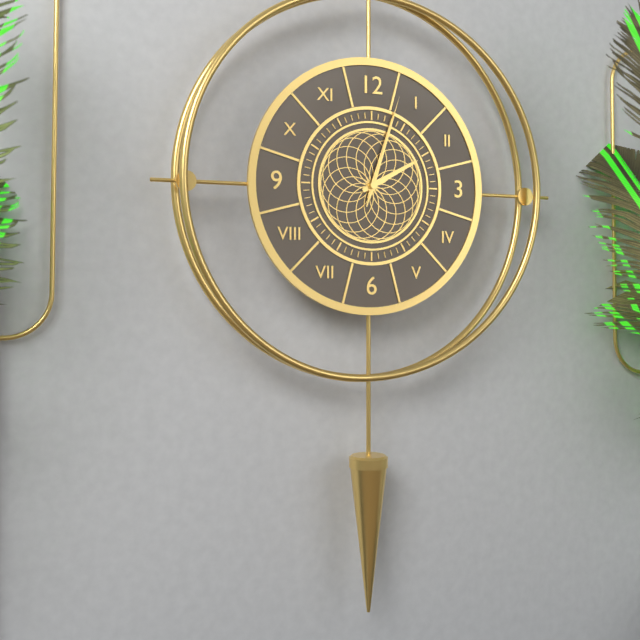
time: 2:03:03
